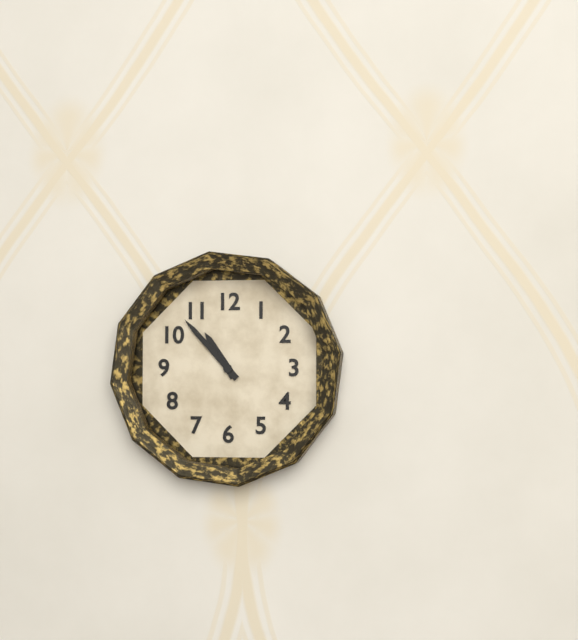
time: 10:53
